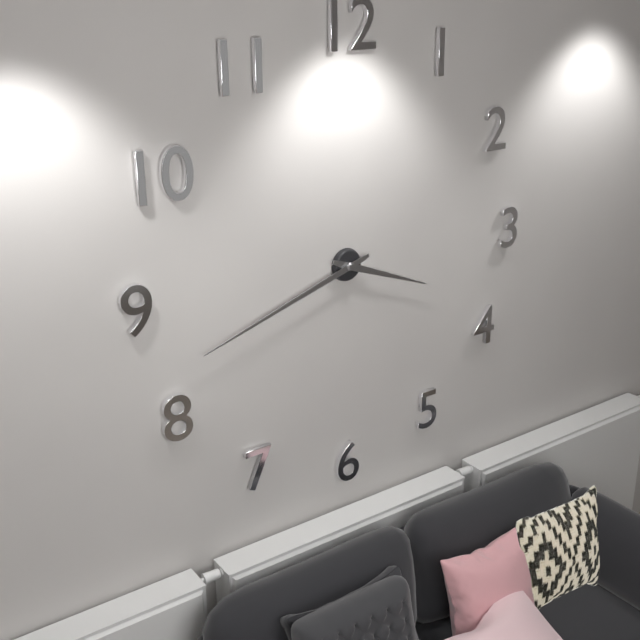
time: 3:42
